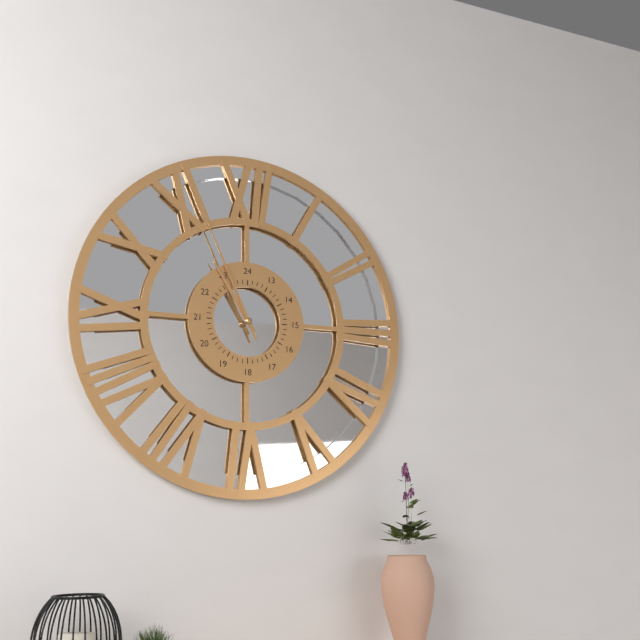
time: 10:56
